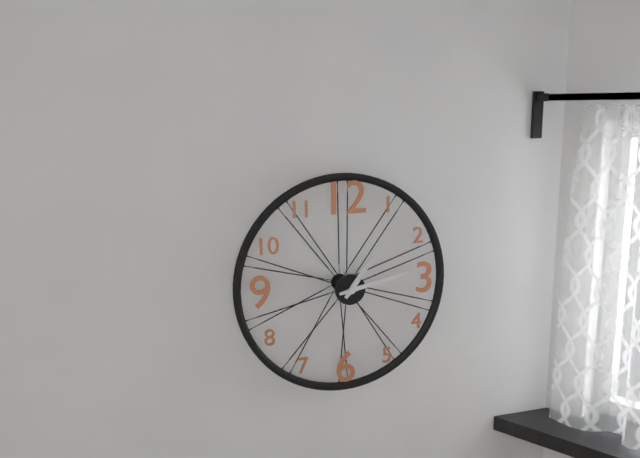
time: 1:13
